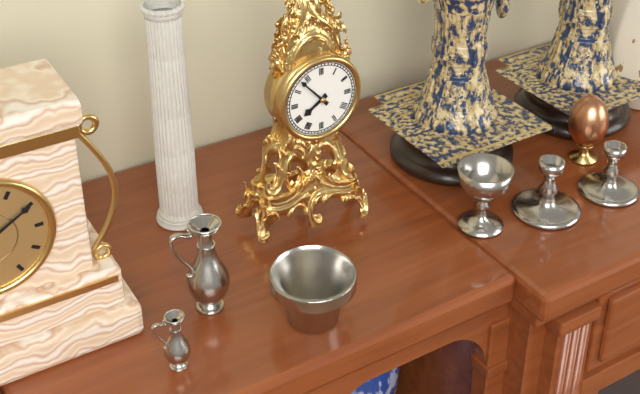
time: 7:53
